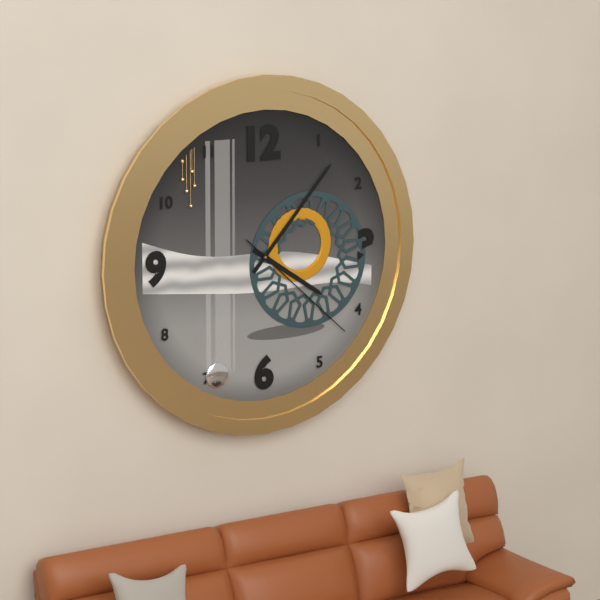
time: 4:07:22
